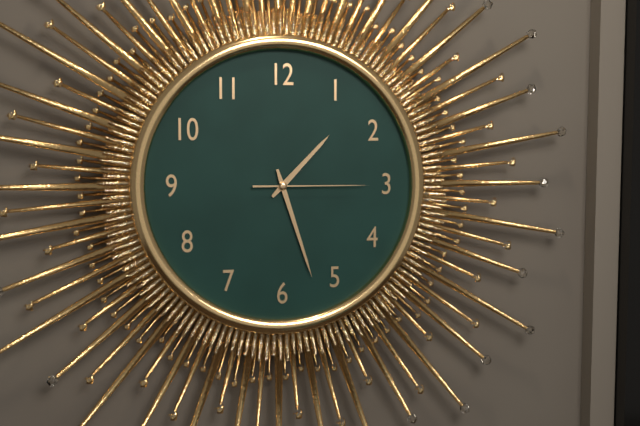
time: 1:27:15
